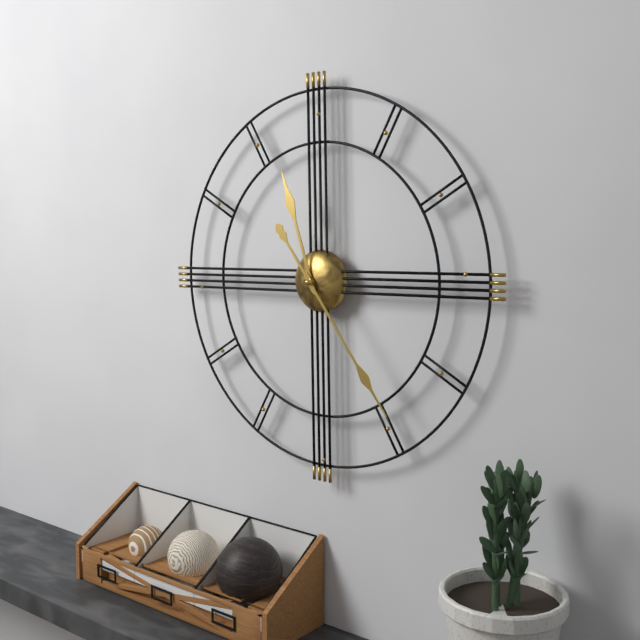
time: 11:24
